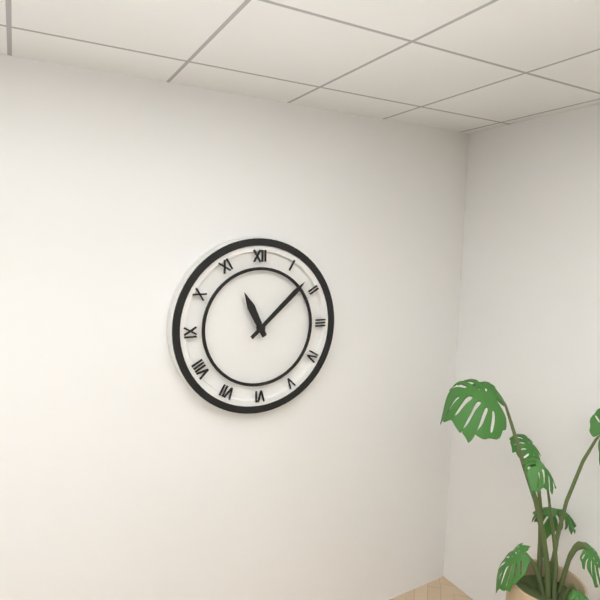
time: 11:08
